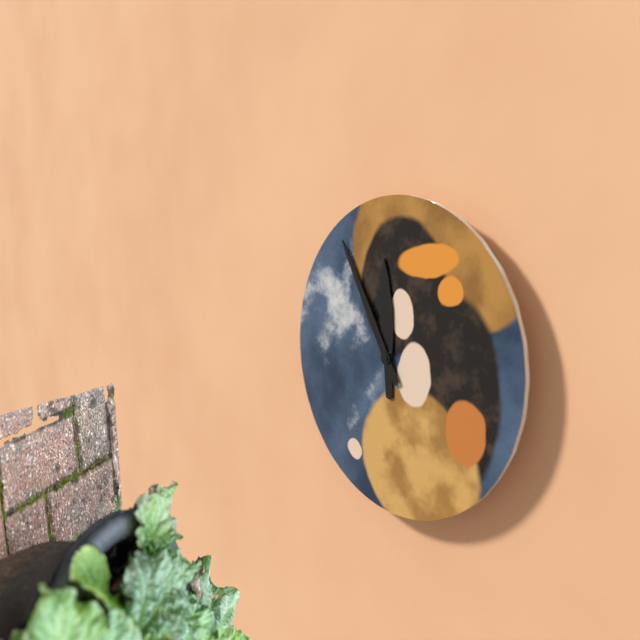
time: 11:55
